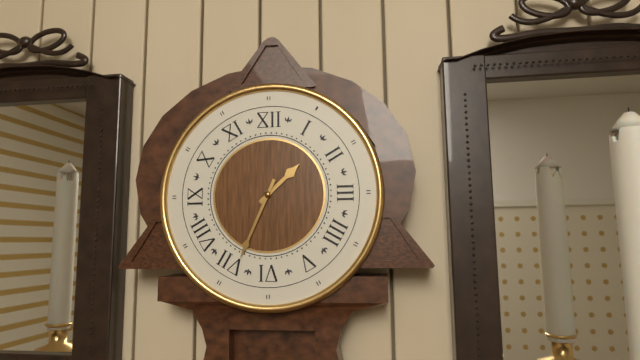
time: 1:34
